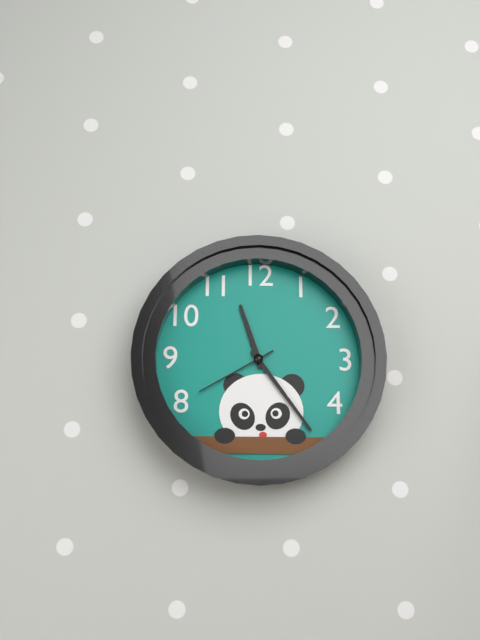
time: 11:24:40
